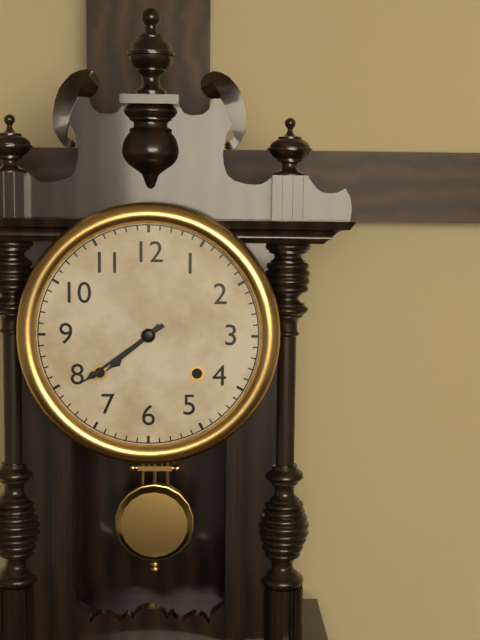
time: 7:39
